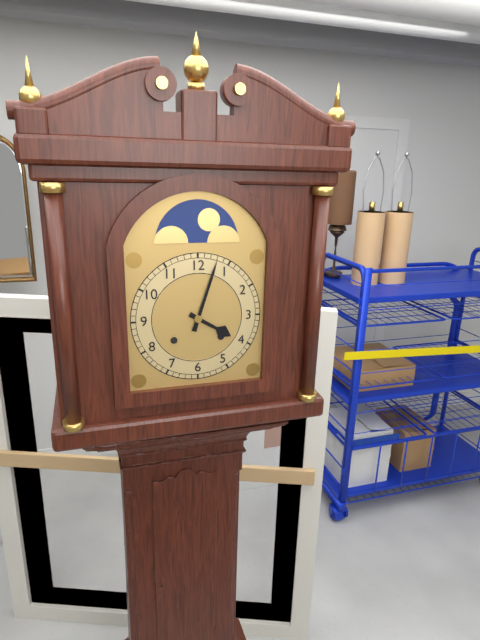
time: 4:03
